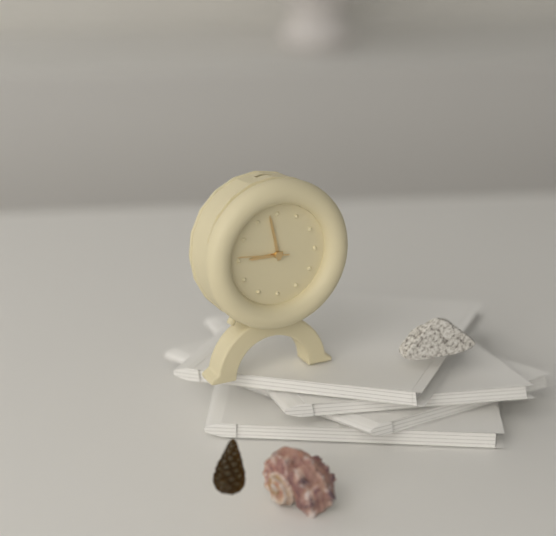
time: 8:58:46
